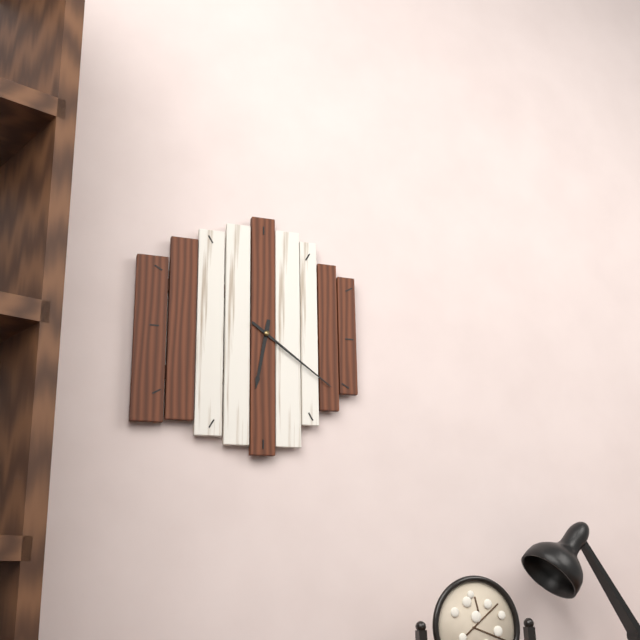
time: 6:21
